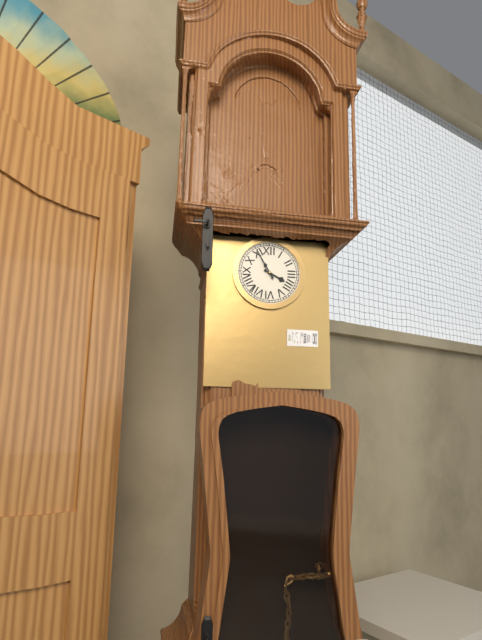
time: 3:55
